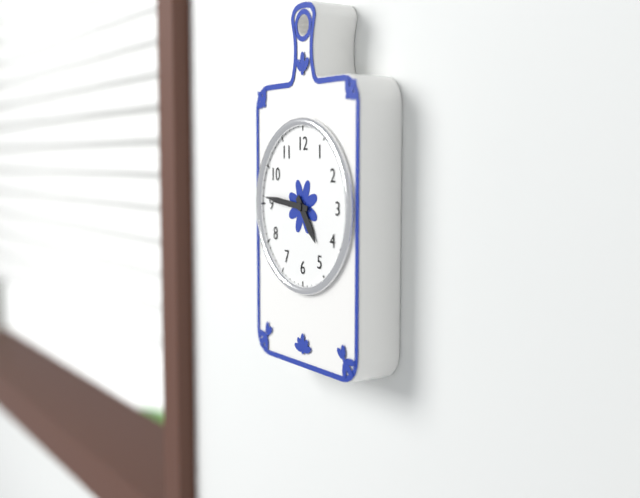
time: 4:46
